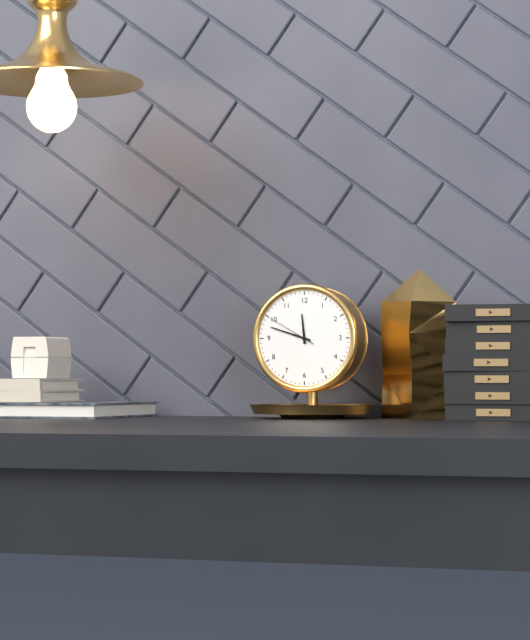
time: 11:48:50
